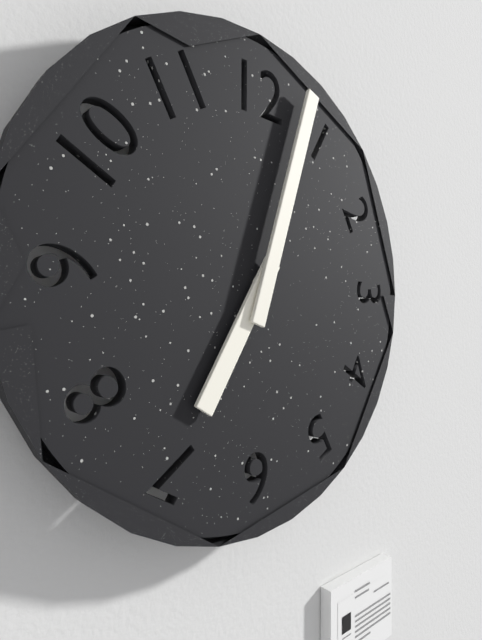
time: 7:03
